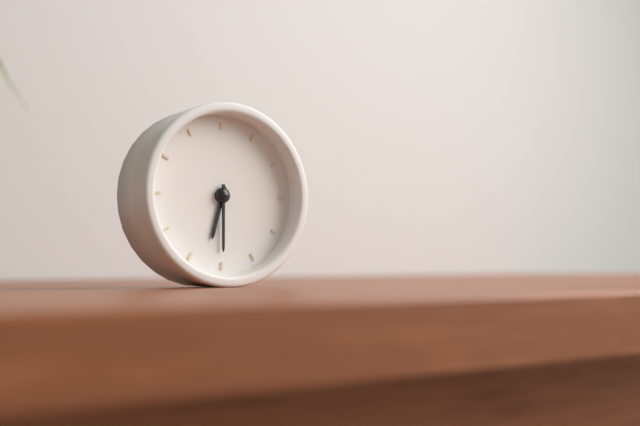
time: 6:30
